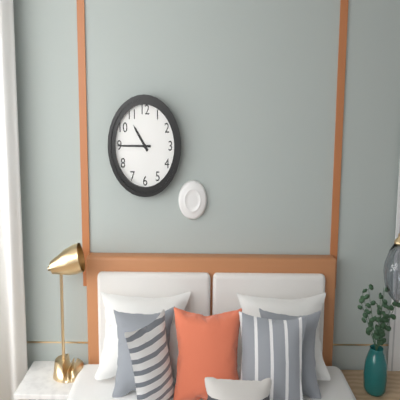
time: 10:45
